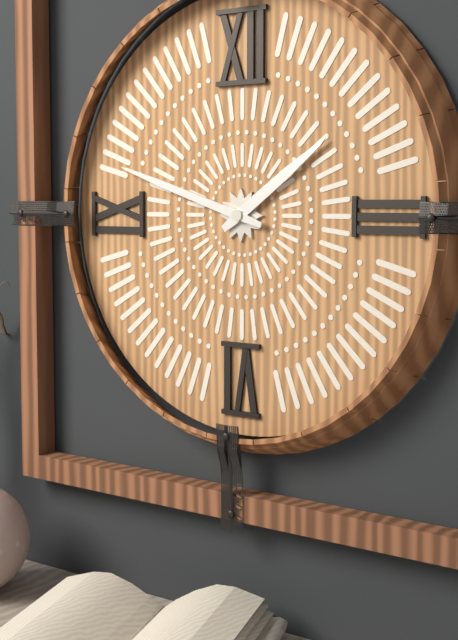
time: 1:48
